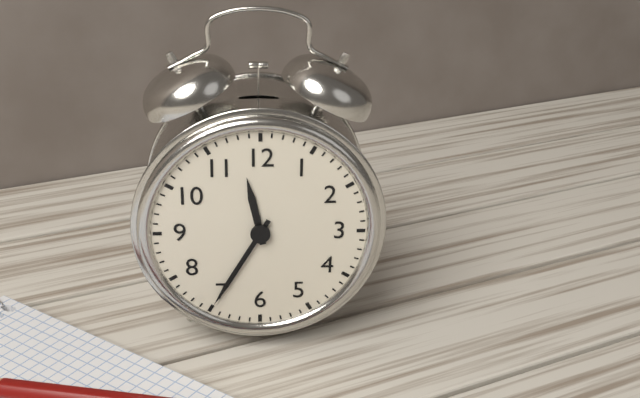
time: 11:35
